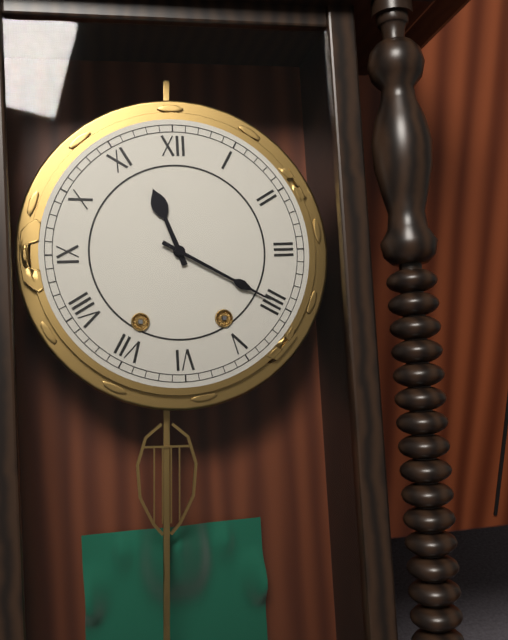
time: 11:20
